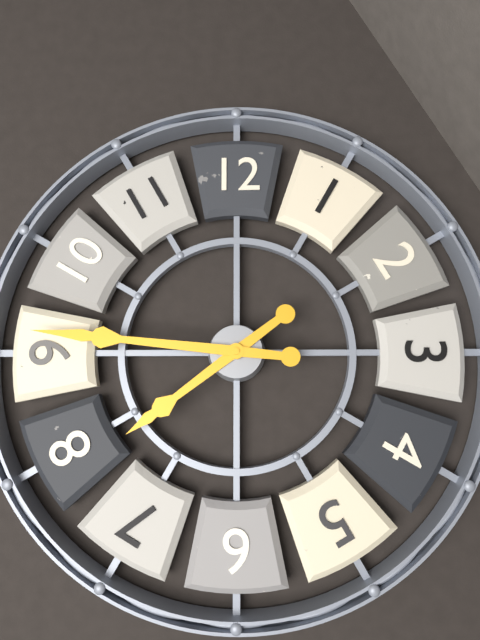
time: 7:46
